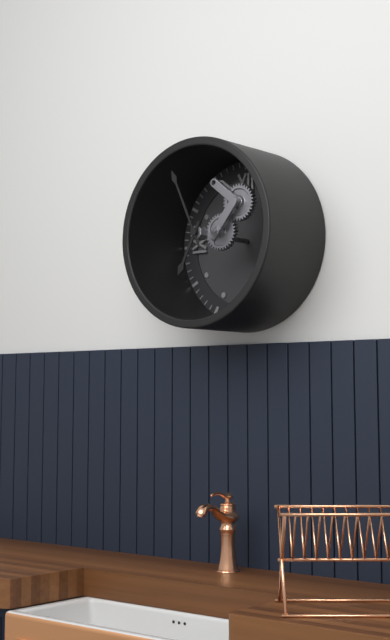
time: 6:56
